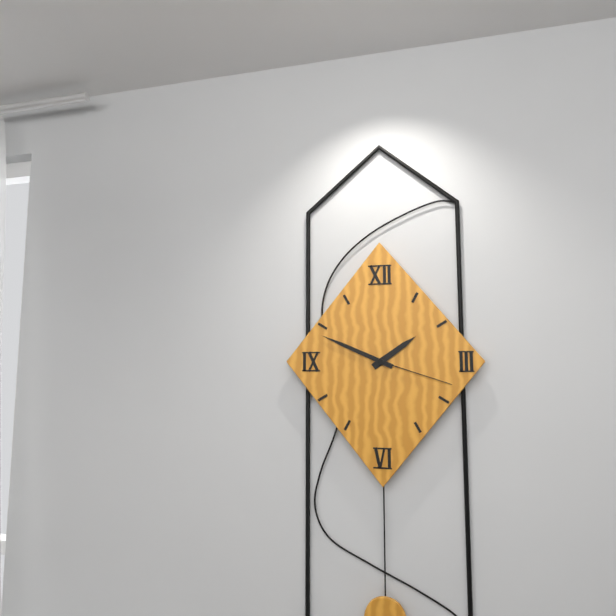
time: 1:49:18
